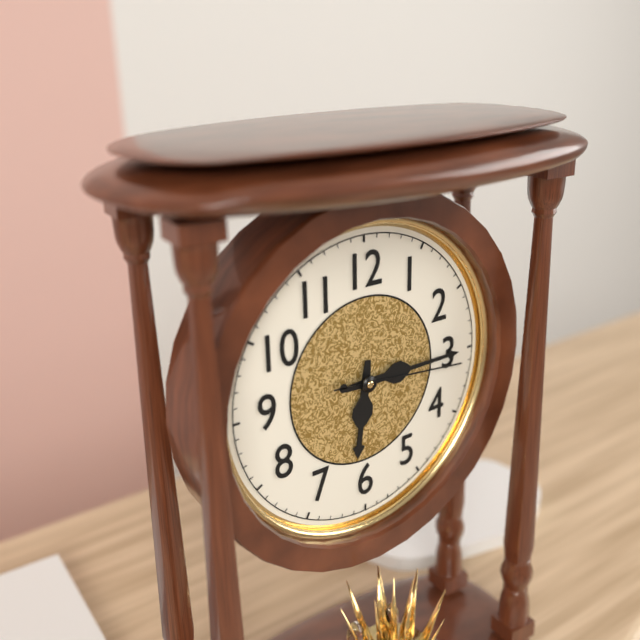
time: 6:15:16
